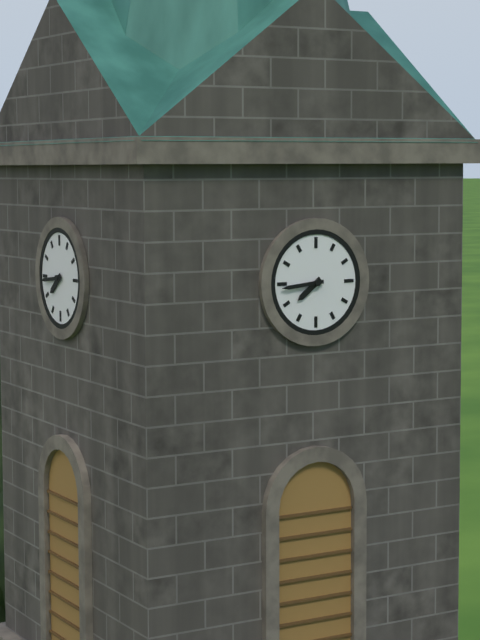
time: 7:44
